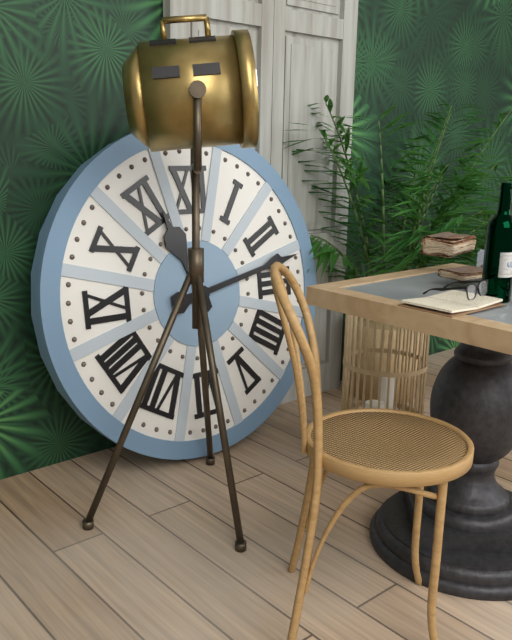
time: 11:13
